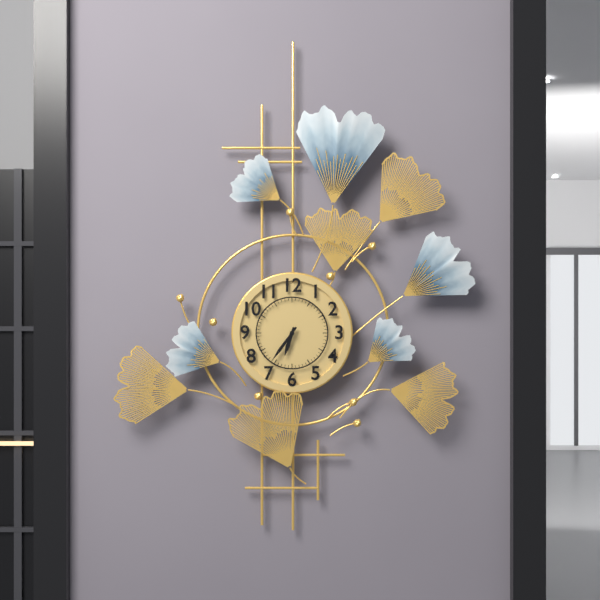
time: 6:36
